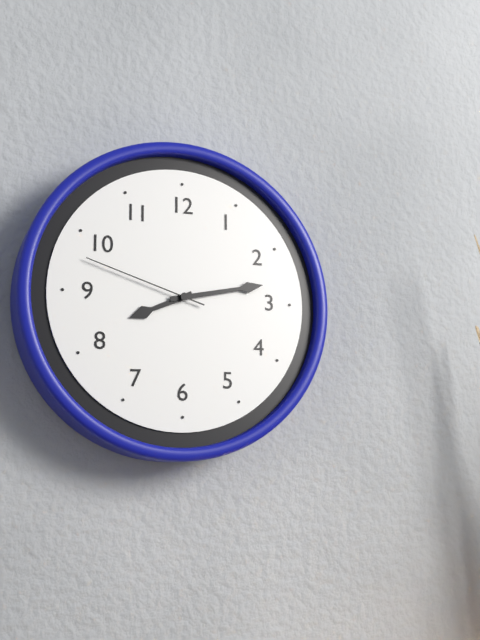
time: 8:13:48
